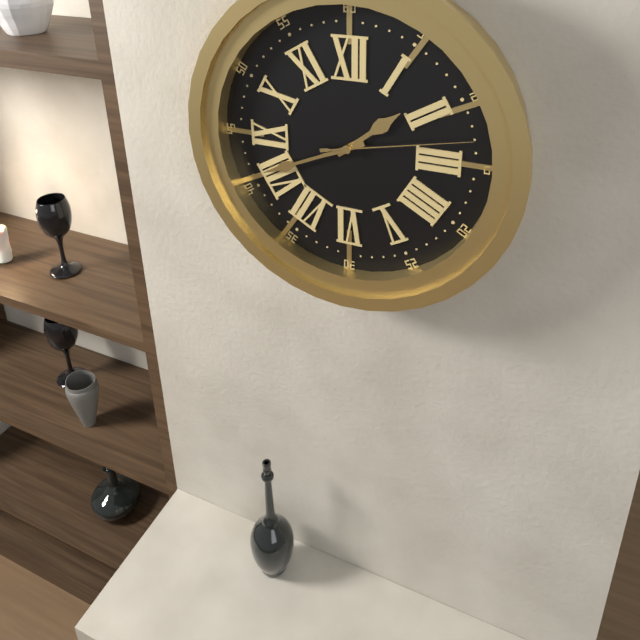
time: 1:41:13
